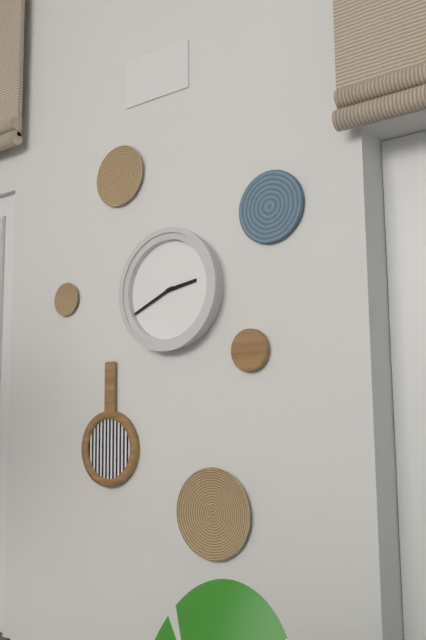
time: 2:41
